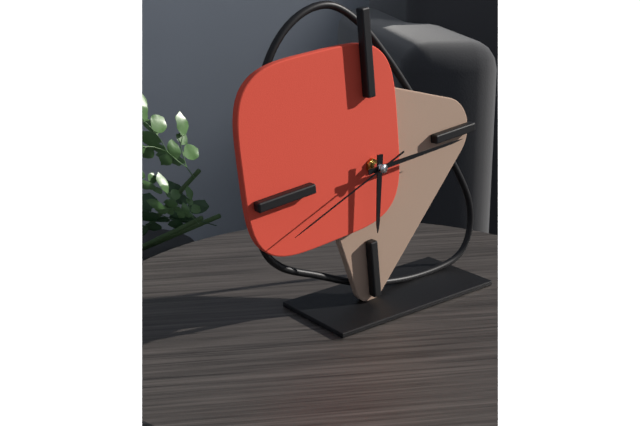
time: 6:15:42
